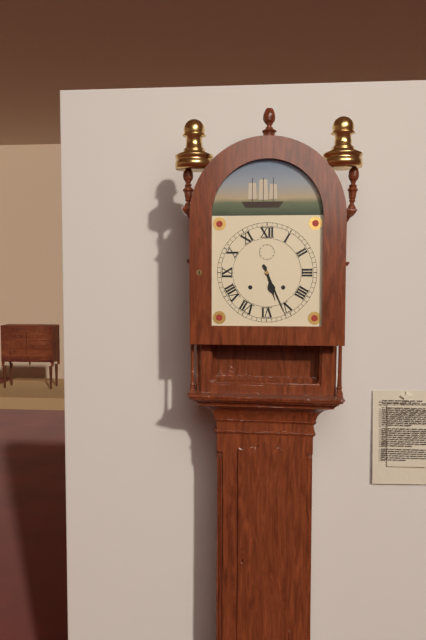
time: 5:26
